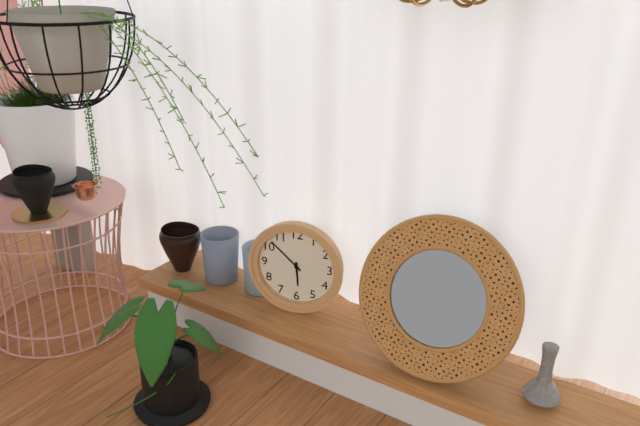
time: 5:52
